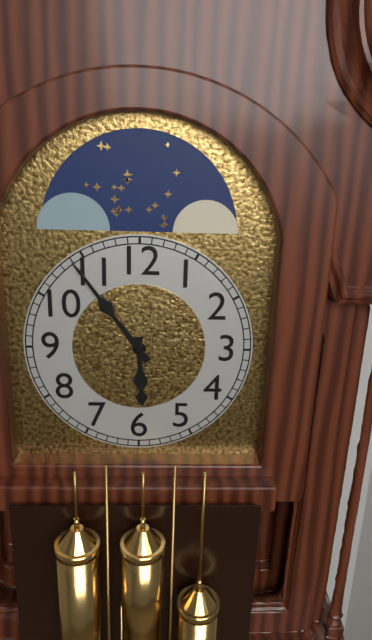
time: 5:54
